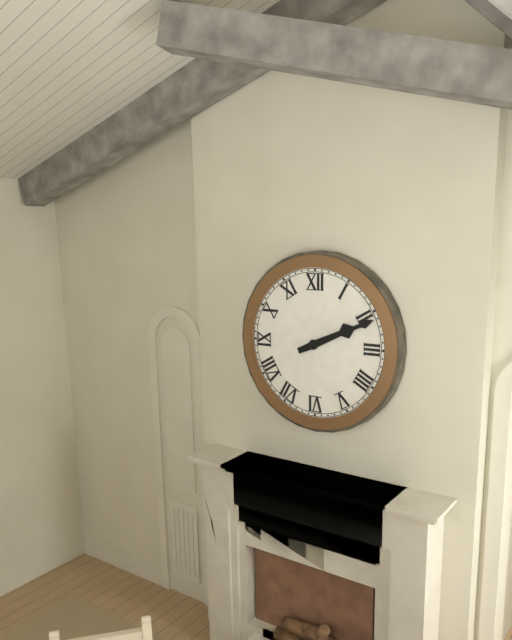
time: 2:11
